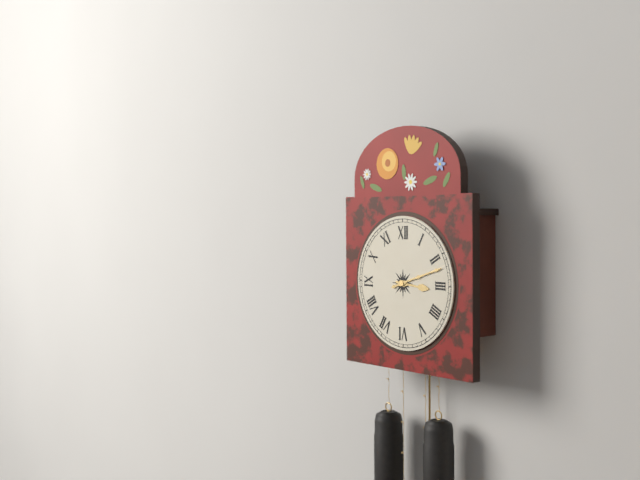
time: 3:12
